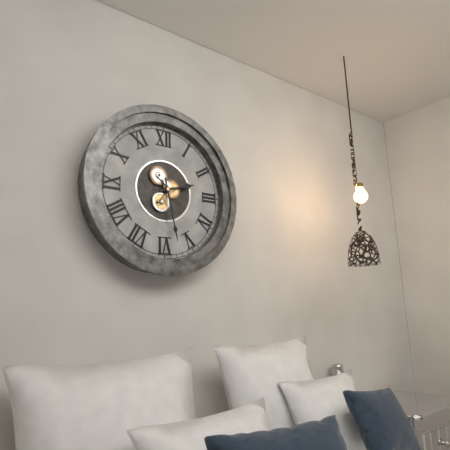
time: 2:28
